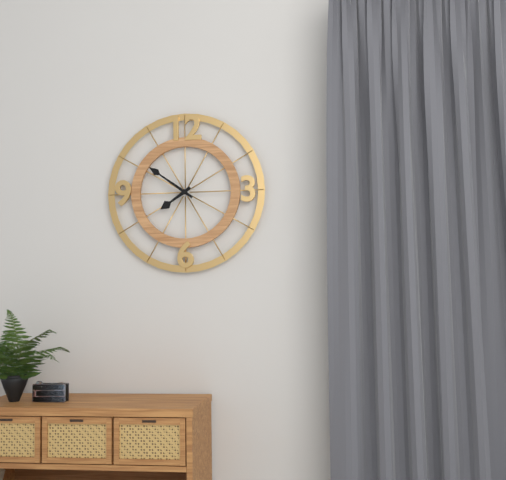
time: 7:51
